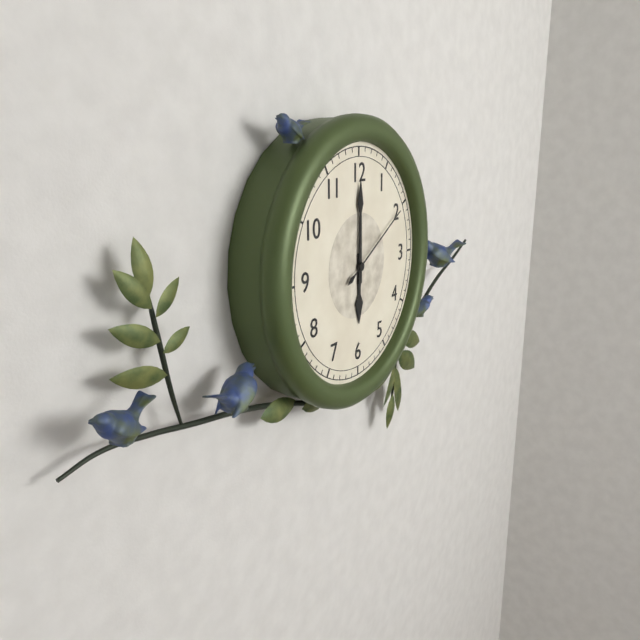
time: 6:00:10
